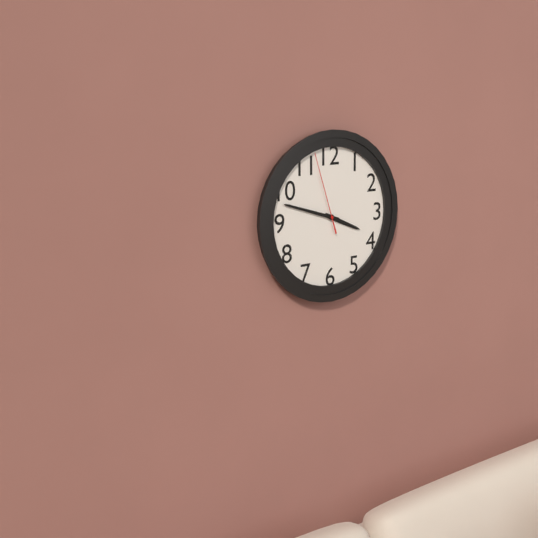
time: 3:48:57
